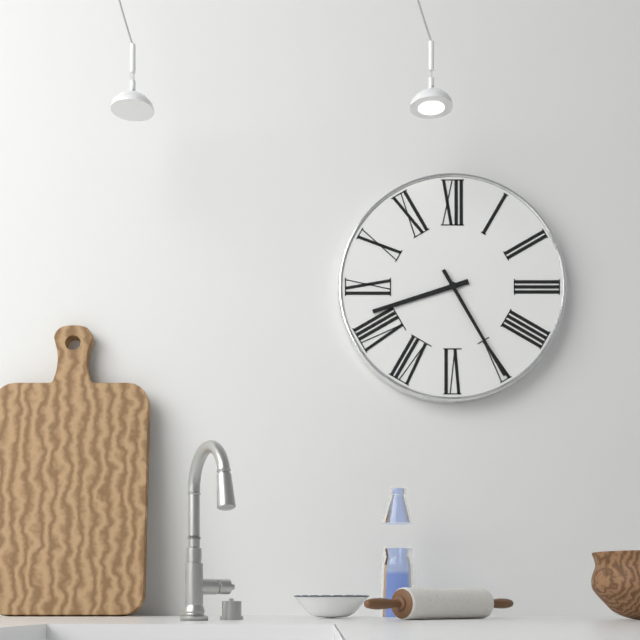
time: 8:25
